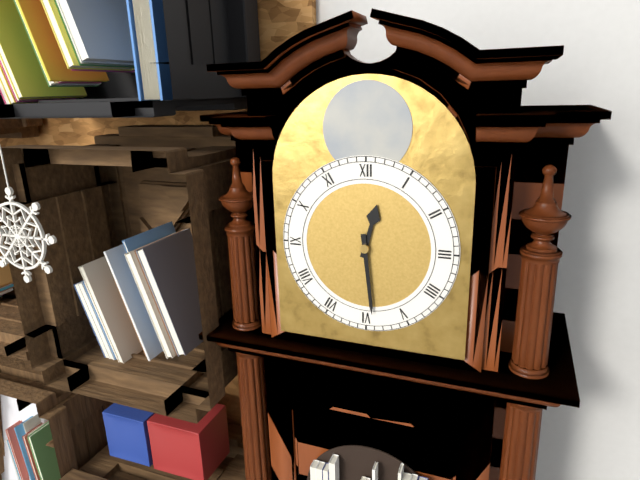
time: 12:29
